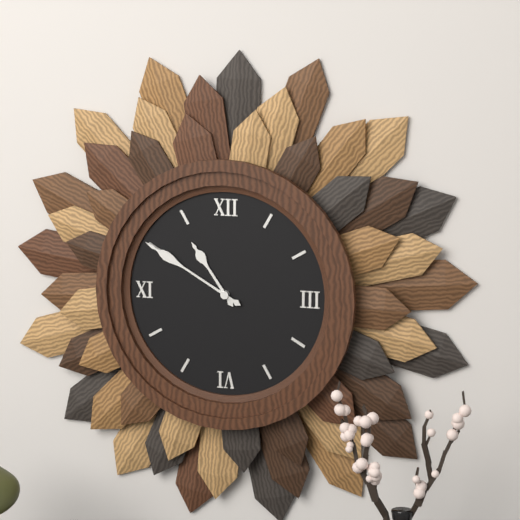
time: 10:50
